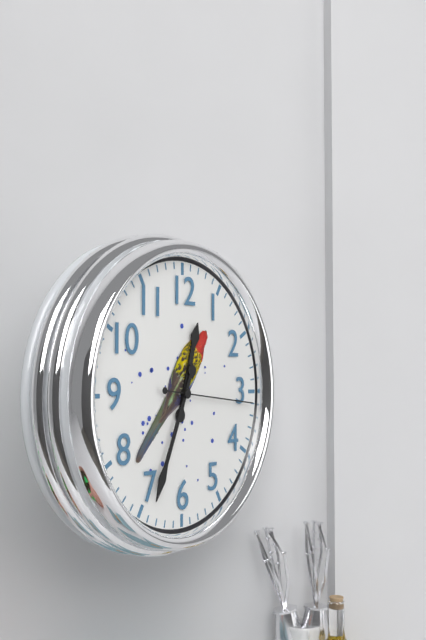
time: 12:34:16
